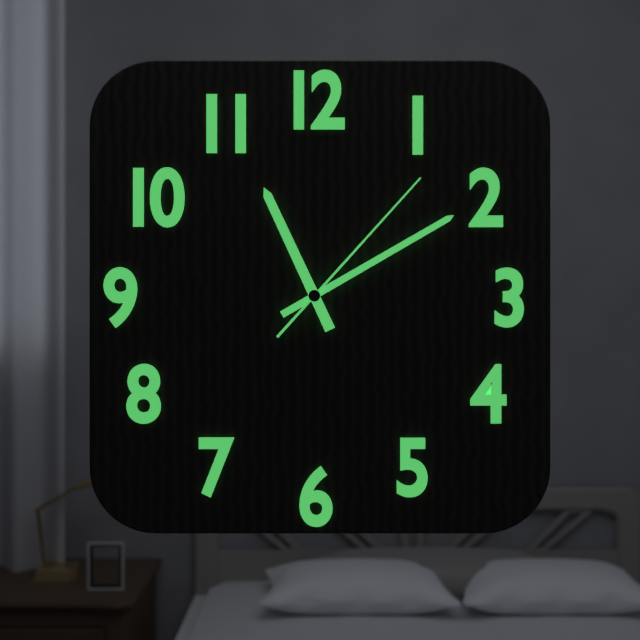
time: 11:10:07
